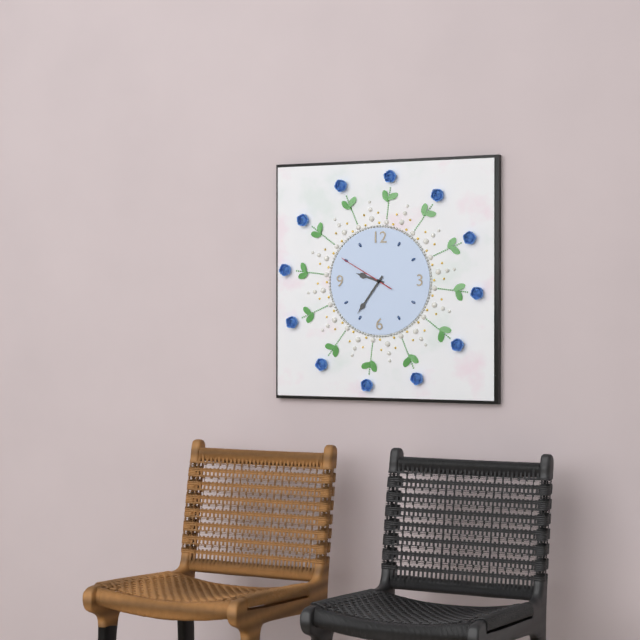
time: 9:36:50
